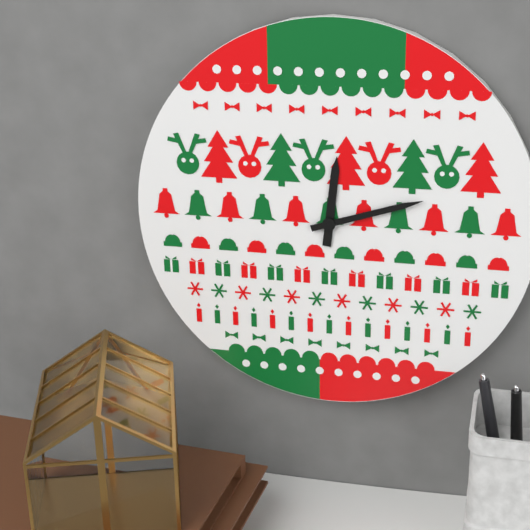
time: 12:12
